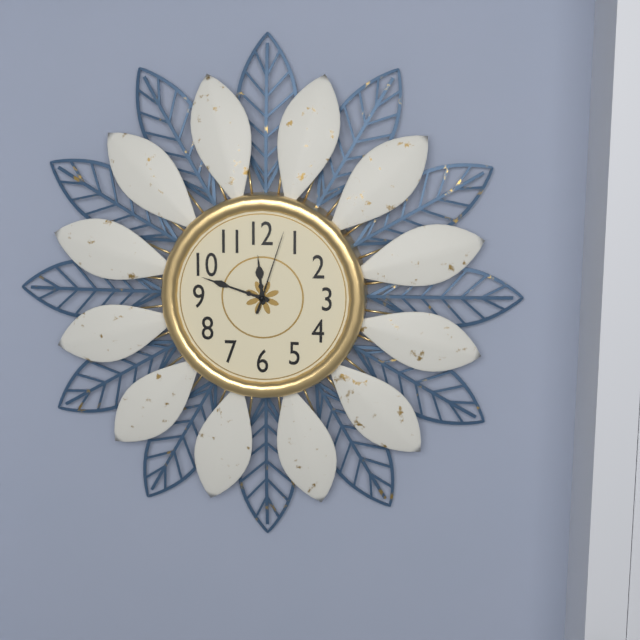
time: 11:48:03
